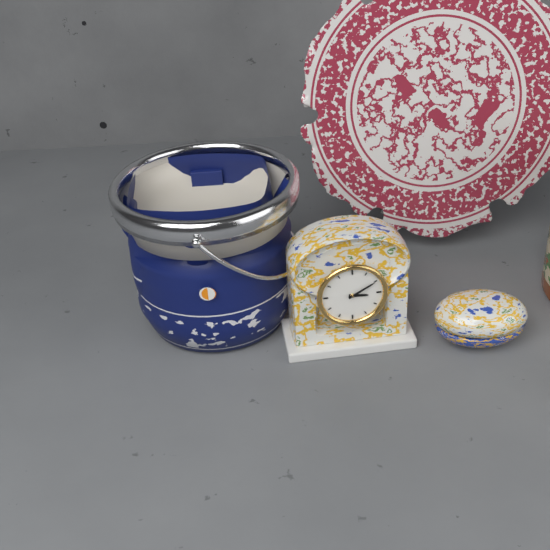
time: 3:10
